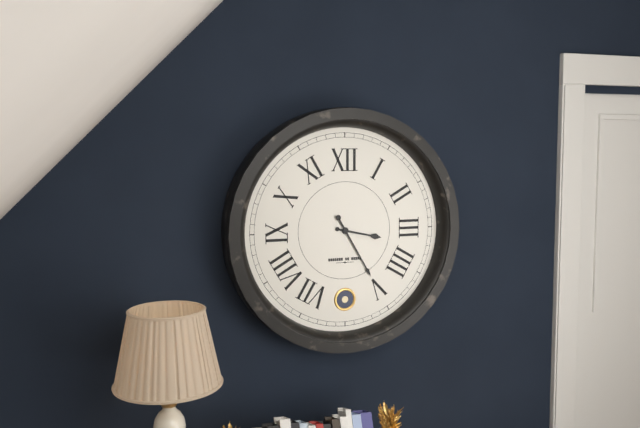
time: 3:25
